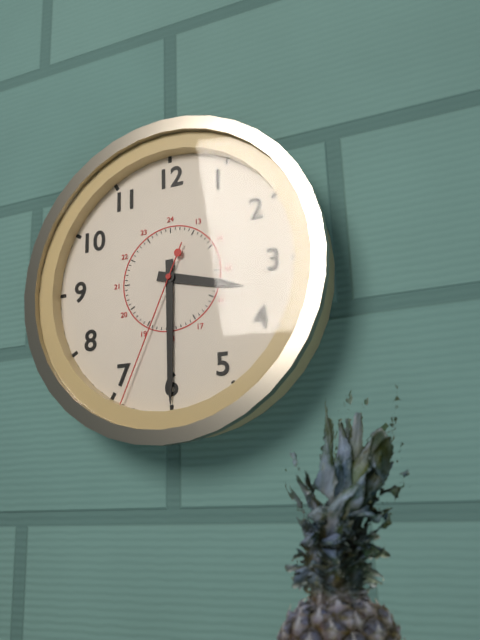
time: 3:30:34
